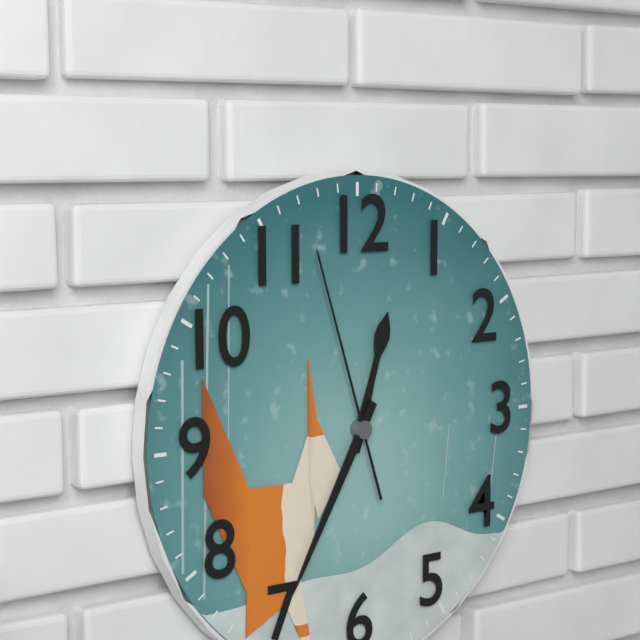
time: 12:35:57
